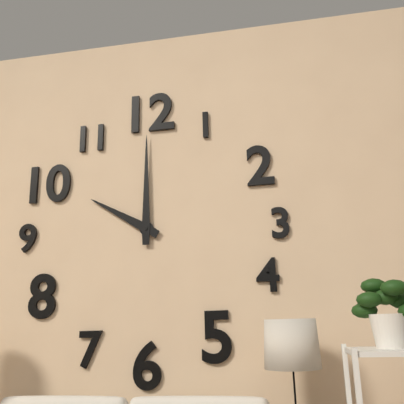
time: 10:00
